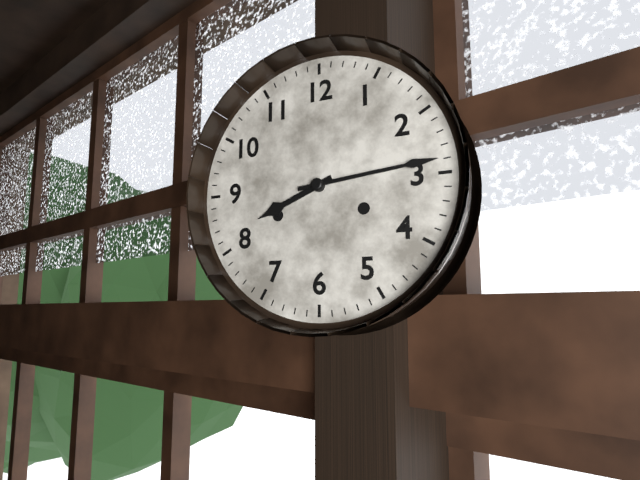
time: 8:14
